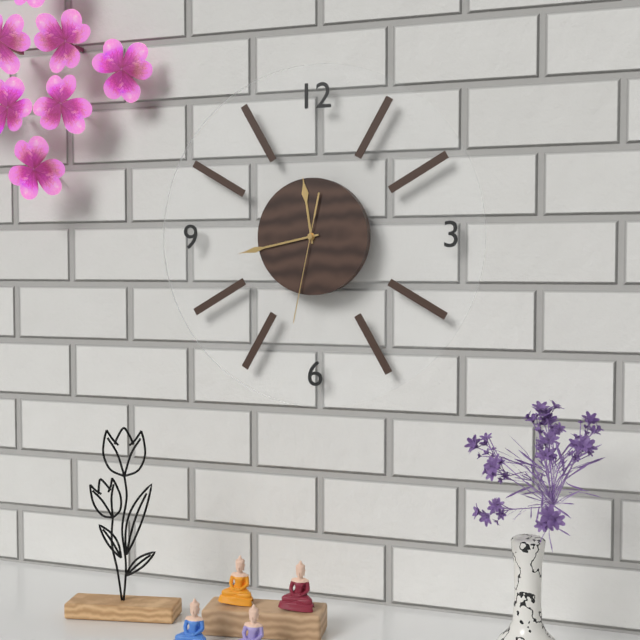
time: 11:43:32
